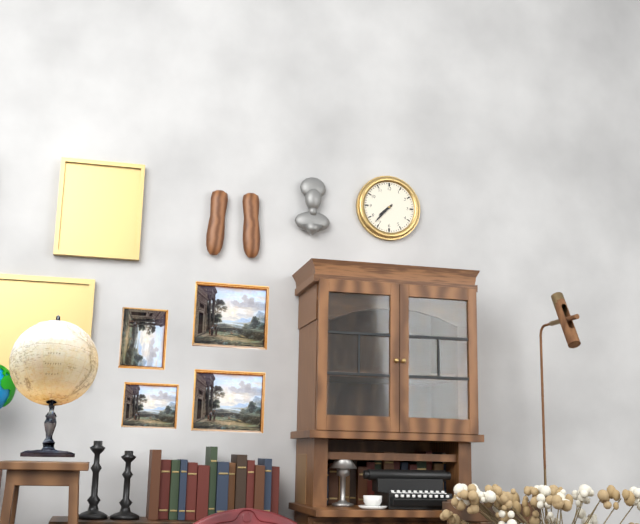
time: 7:37
